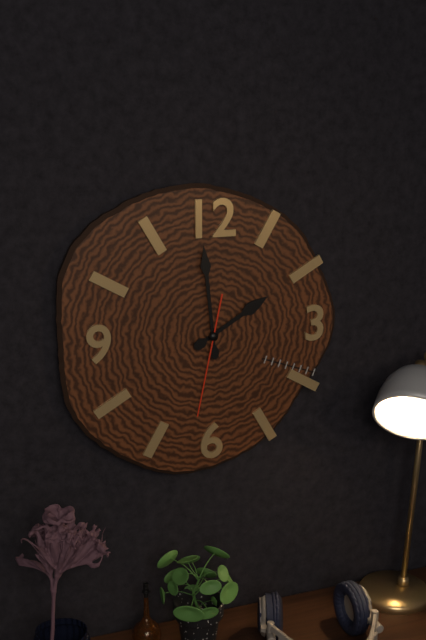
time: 1:59:32
